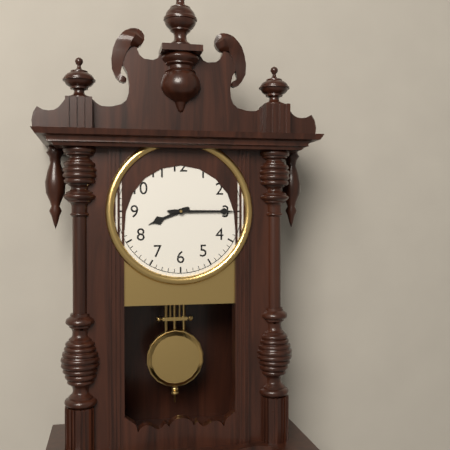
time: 8:15
